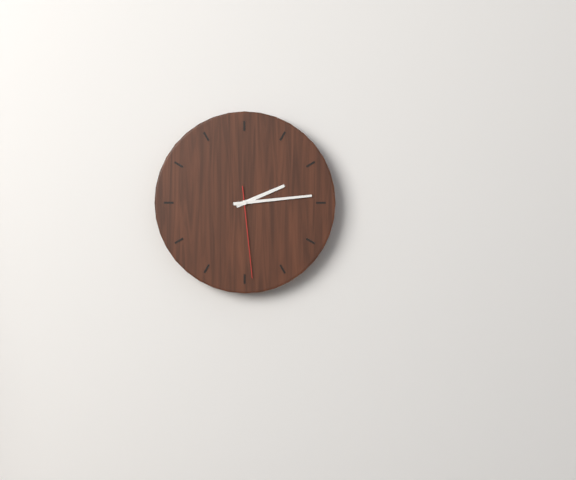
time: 2:14:29
